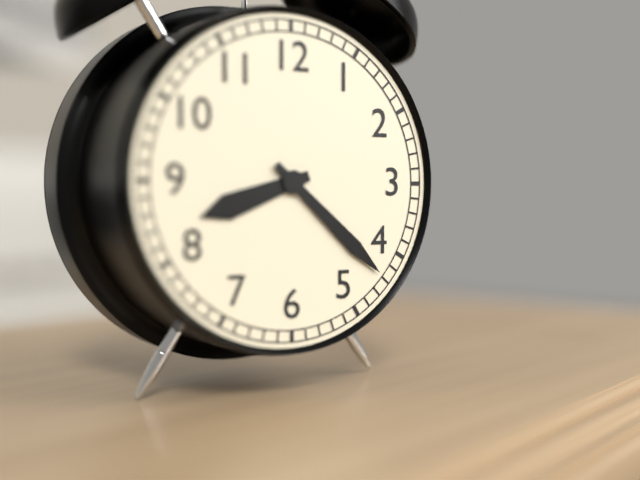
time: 8:22
